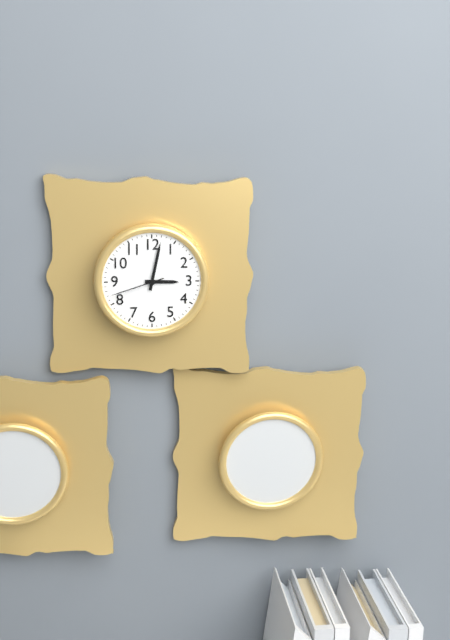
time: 3:02:42
